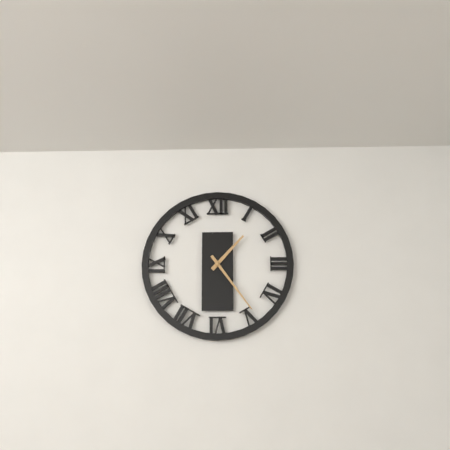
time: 1:24
